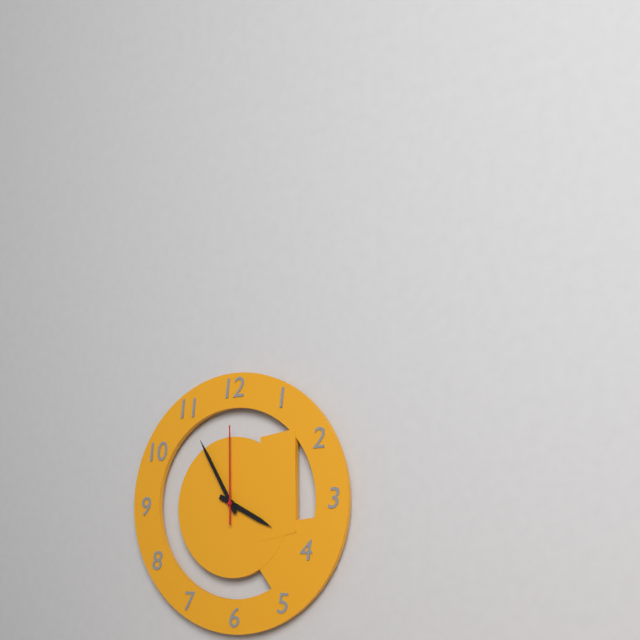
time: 3:55:00
